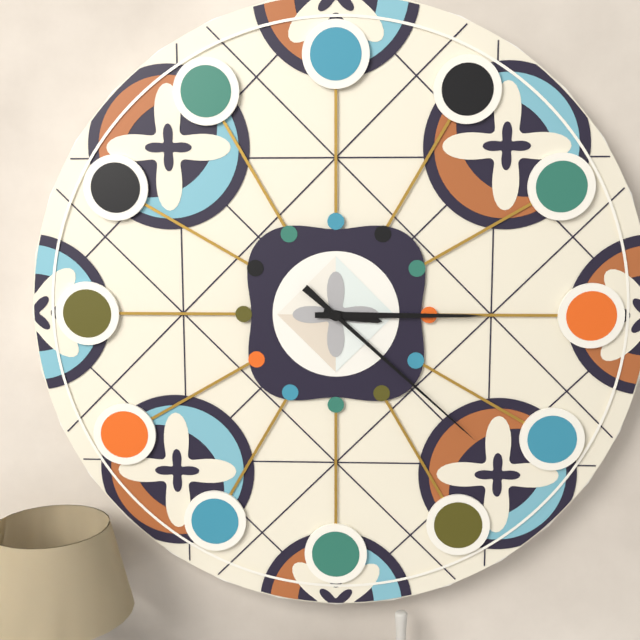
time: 3:15:22
